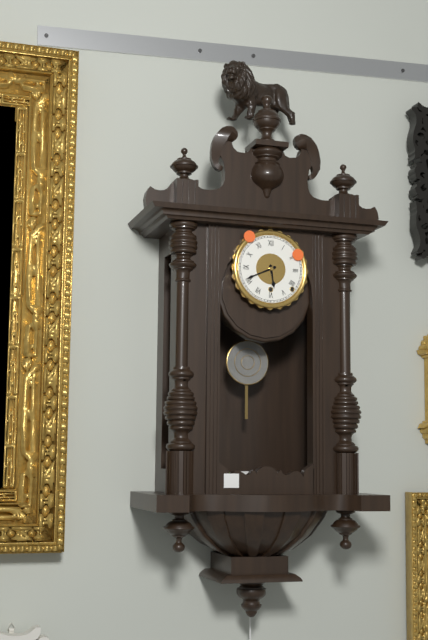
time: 5:41
